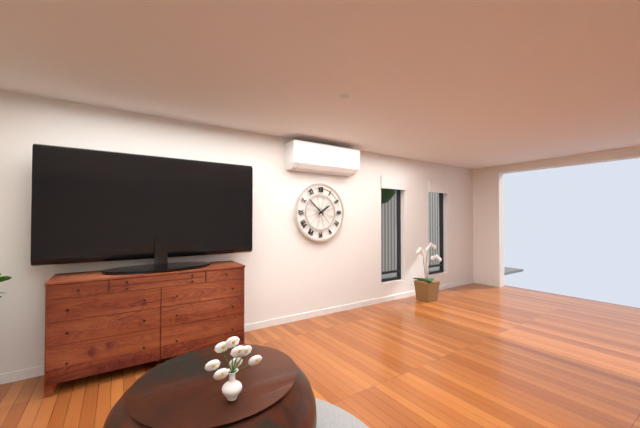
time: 1:52
